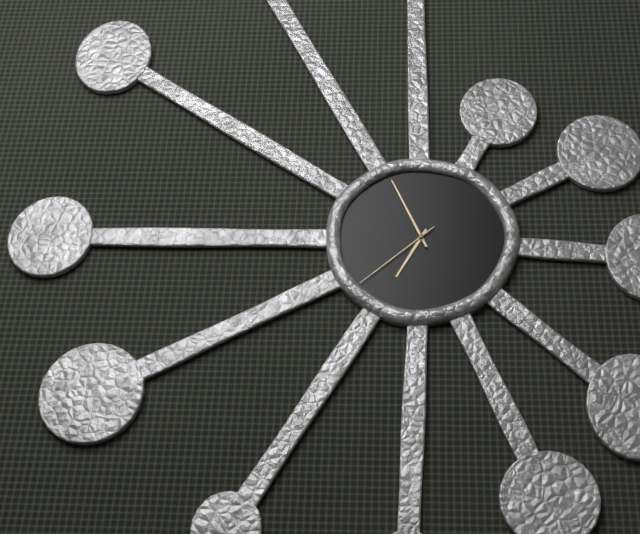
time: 6:56:38
